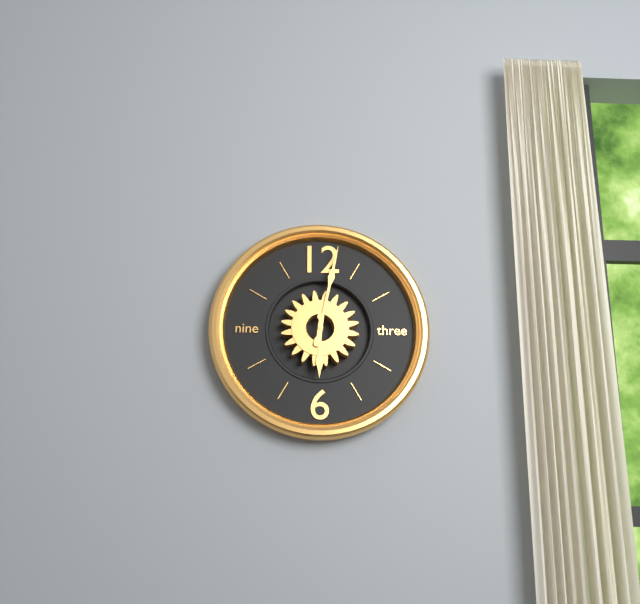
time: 6:02
